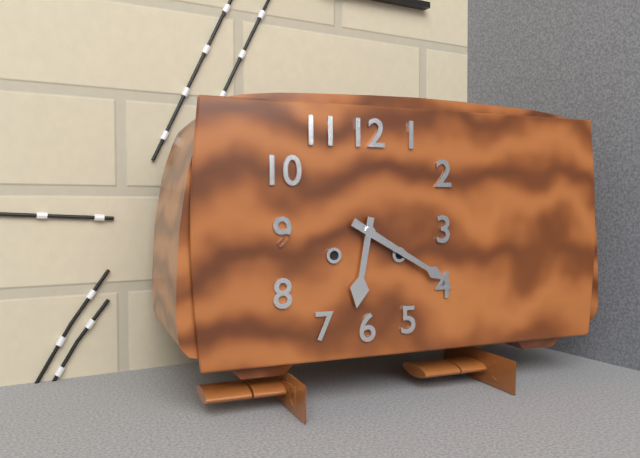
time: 6:20
